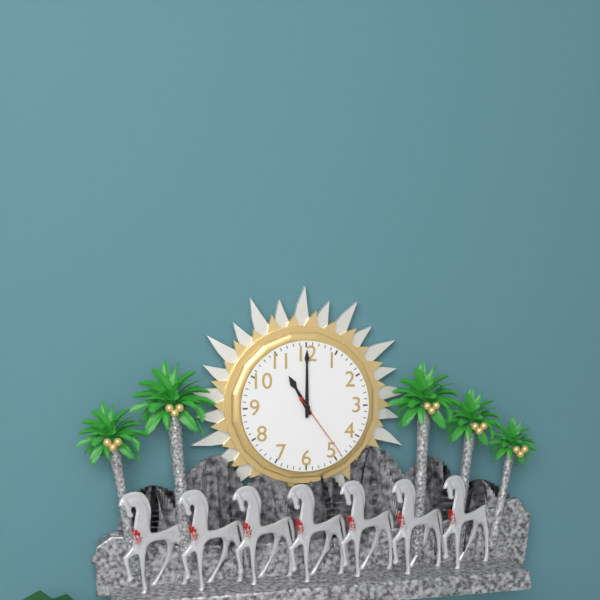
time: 11:00:24
